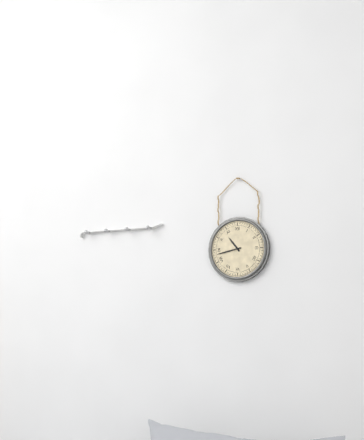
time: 10:43
